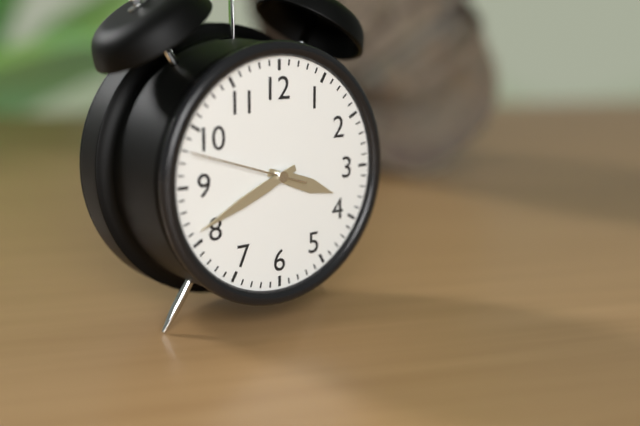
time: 3:41:48
